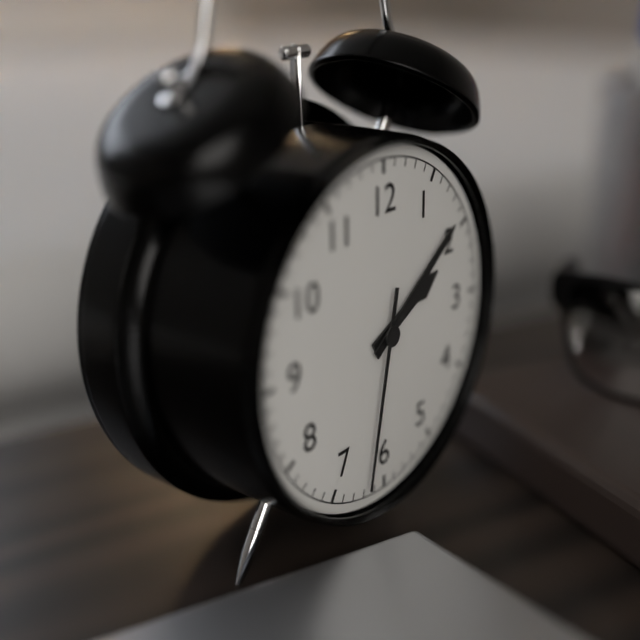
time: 2:09:32
